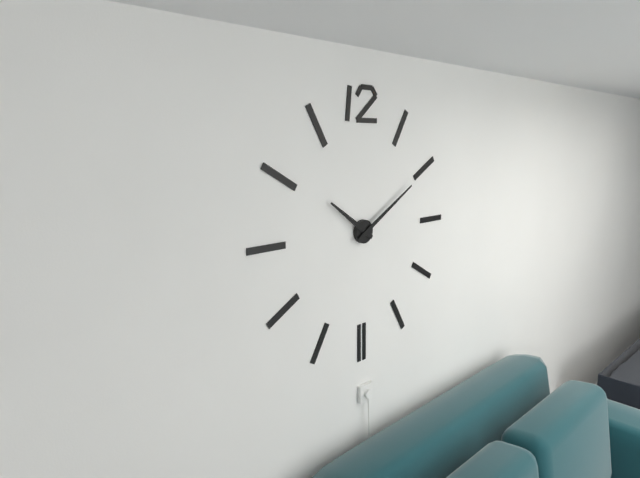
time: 10:10
